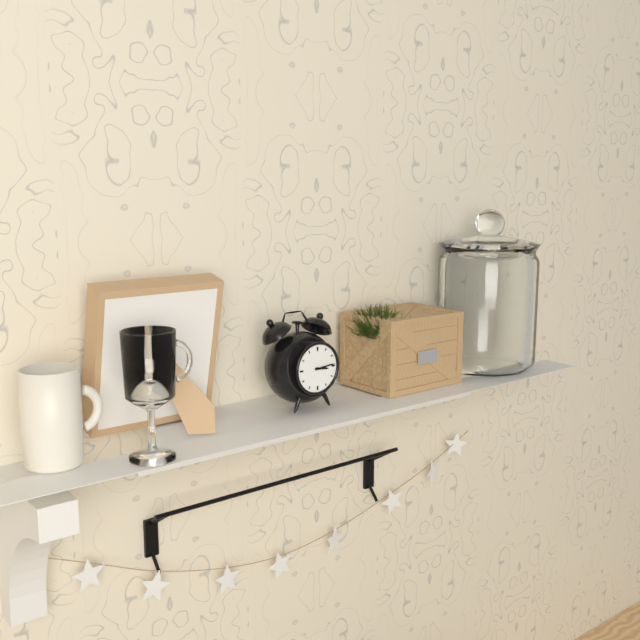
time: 3:14
